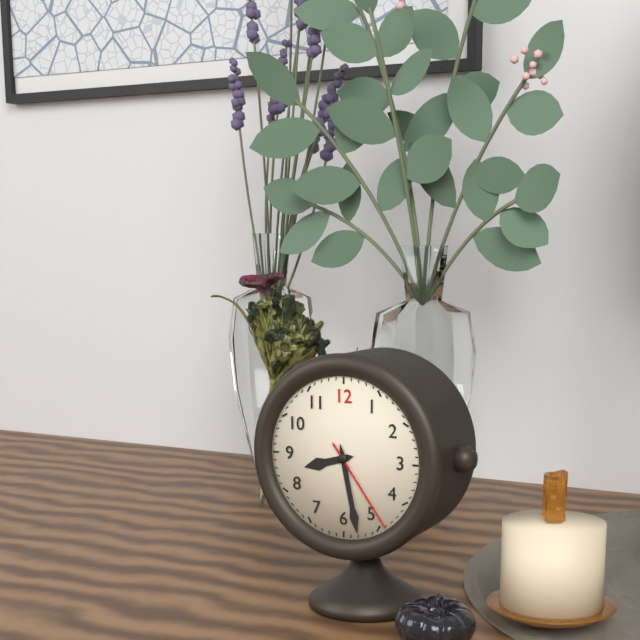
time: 8:28:24
